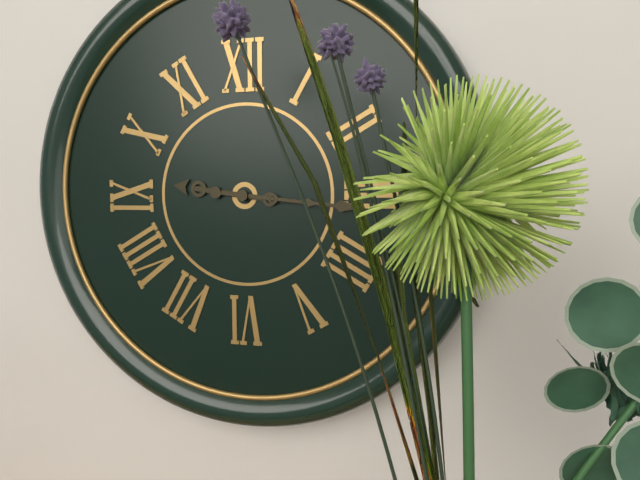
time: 9:16
